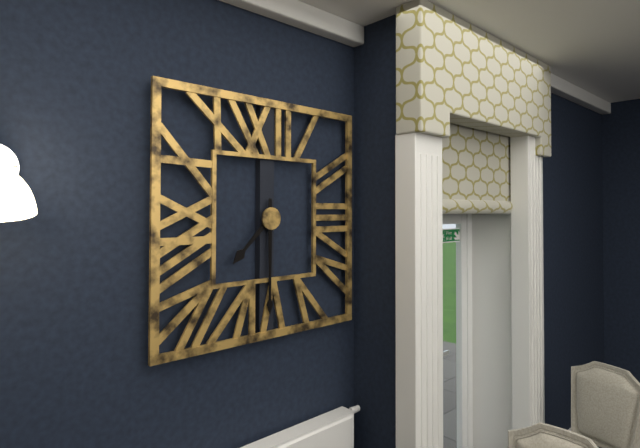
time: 7:30
